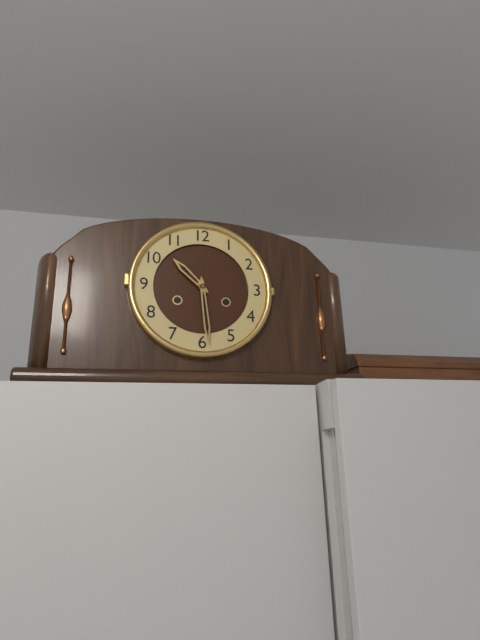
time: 10:29
